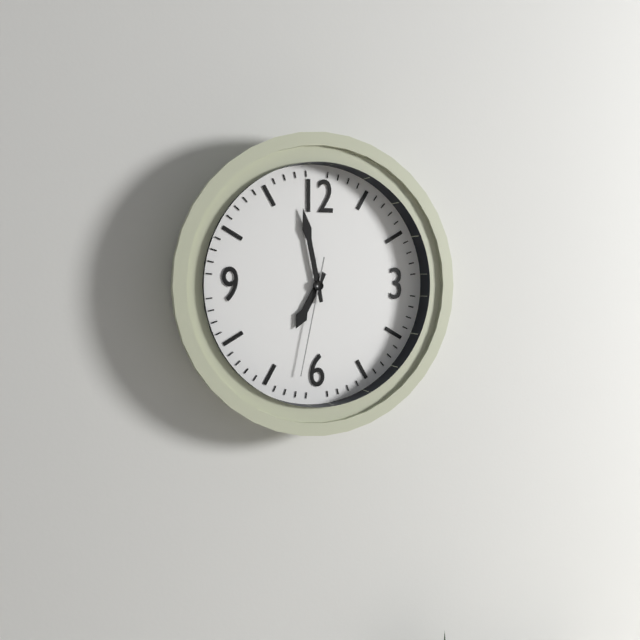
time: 6:58:32
